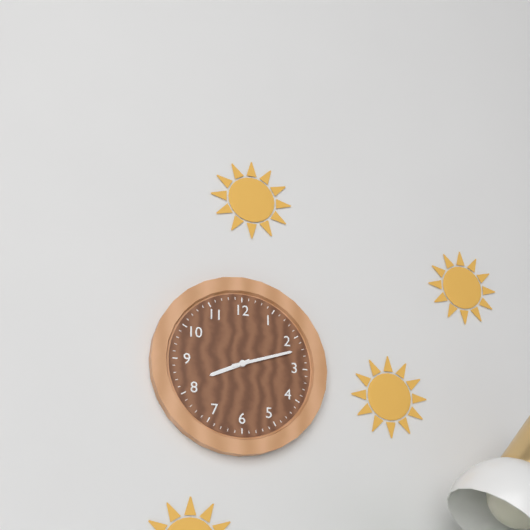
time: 8:12
